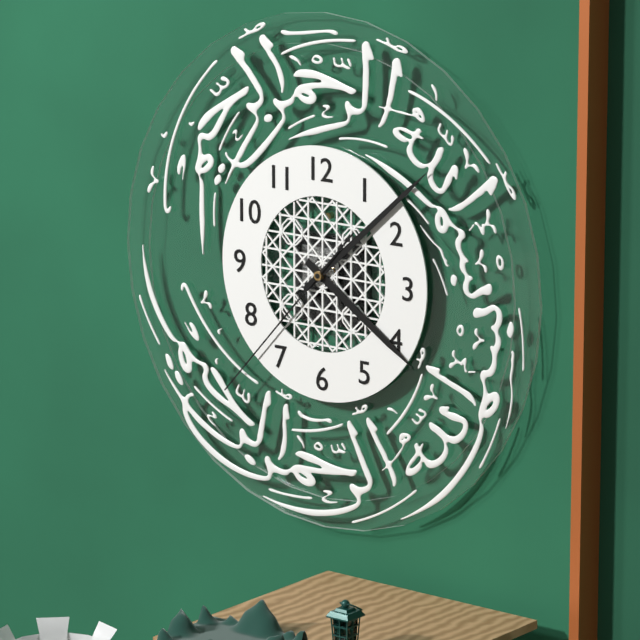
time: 4:08:37
